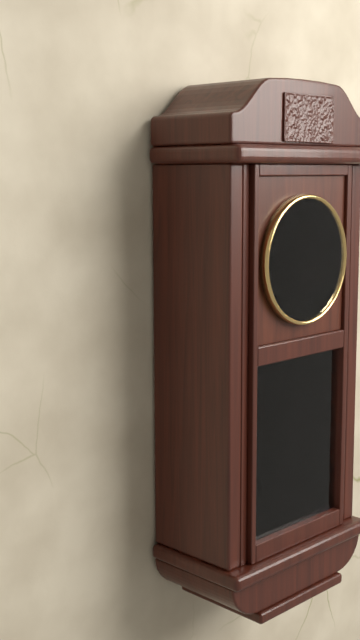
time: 9:01
